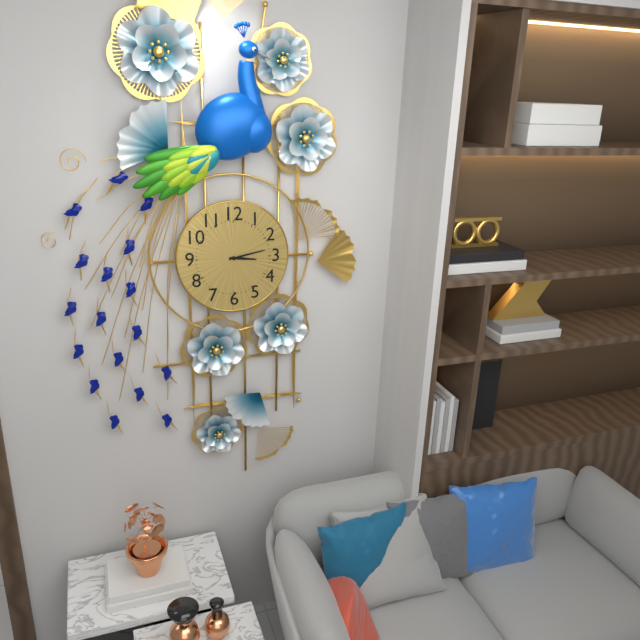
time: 3:13
